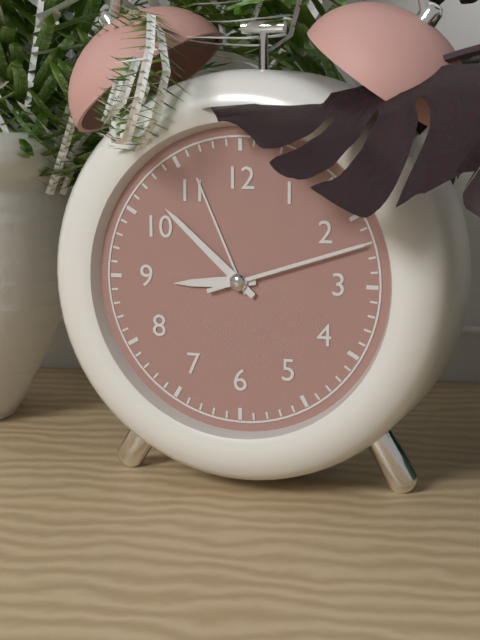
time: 8:52:12
